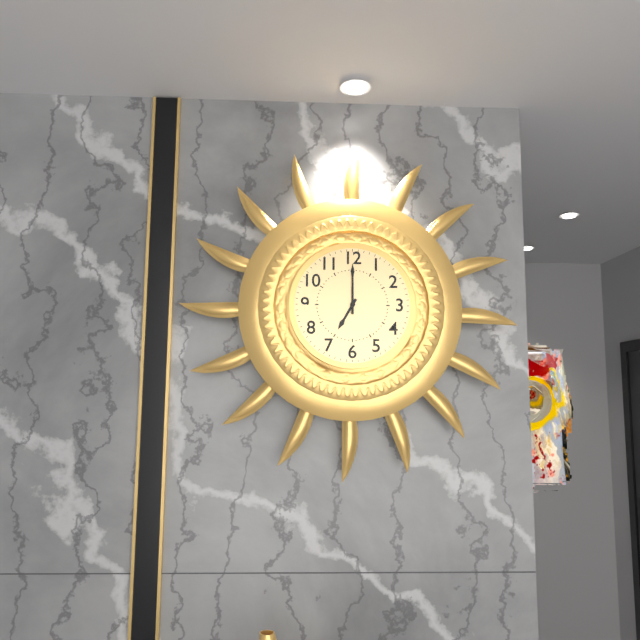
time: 7:00
